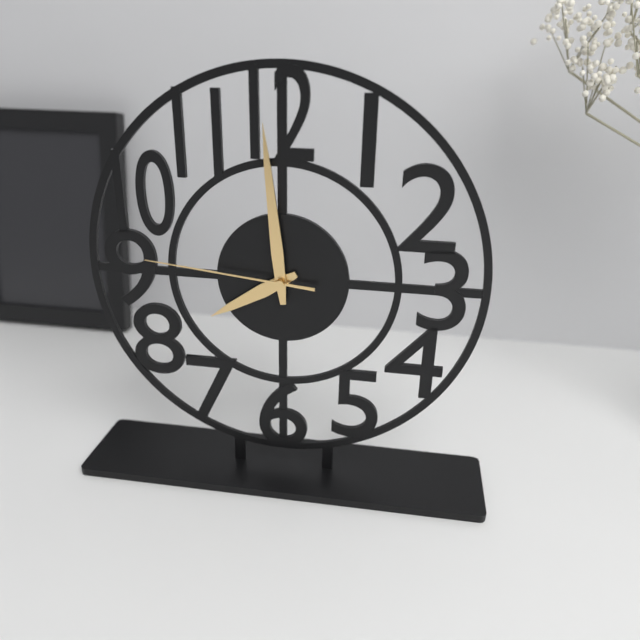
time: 7:59:46
